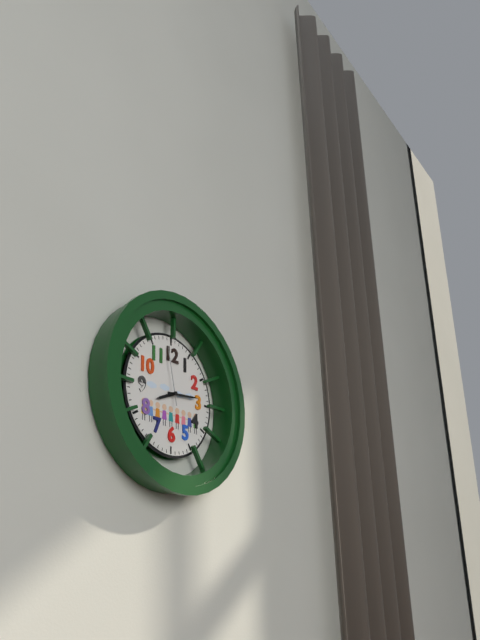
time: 8:14:58
